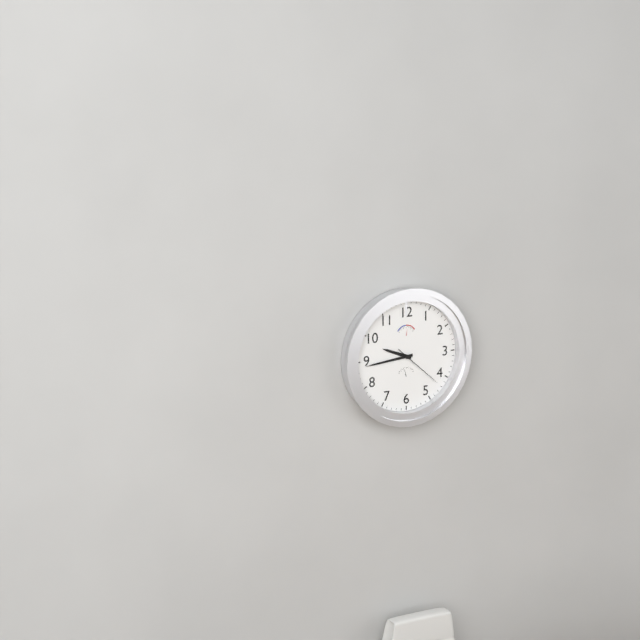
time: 9:44:22
